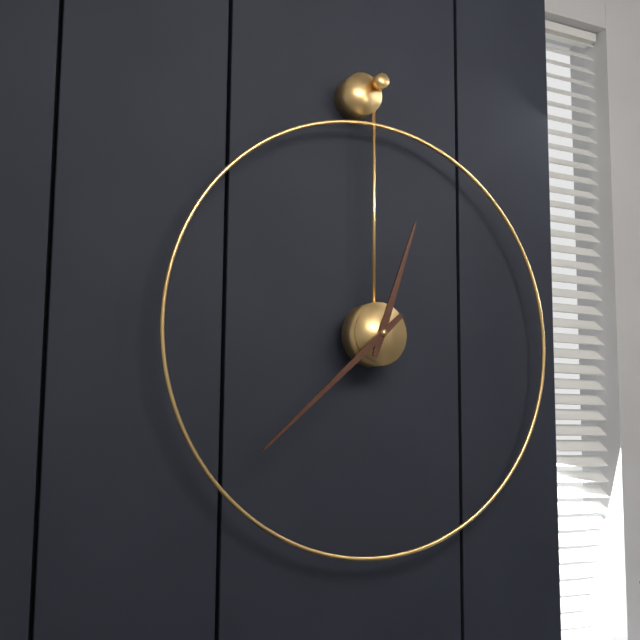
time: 12:38
